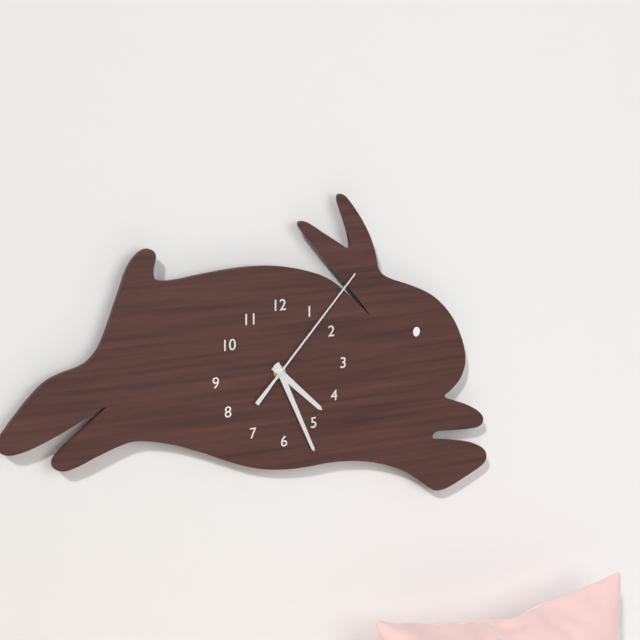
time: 4:26:07
